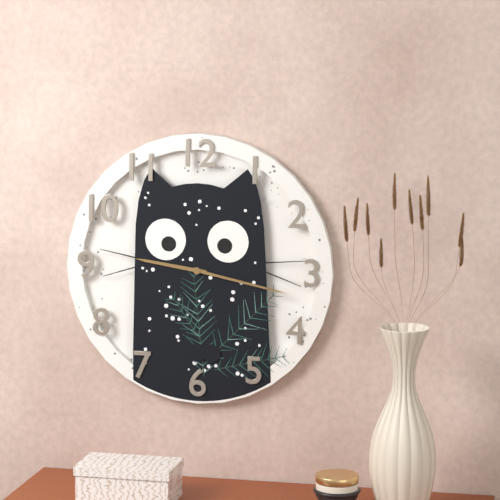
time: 9:17
